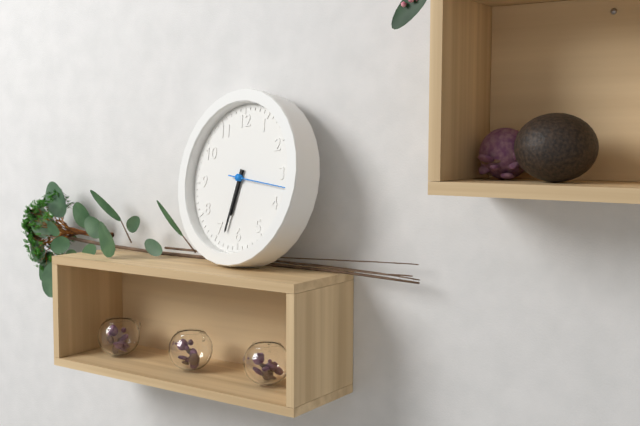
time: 6:33:17
